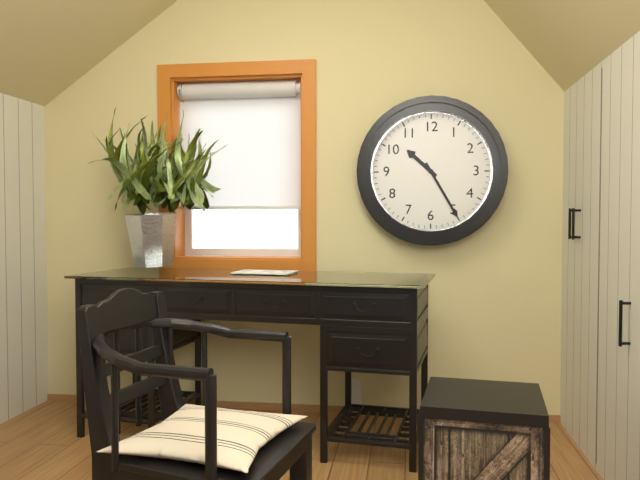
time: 10:25
